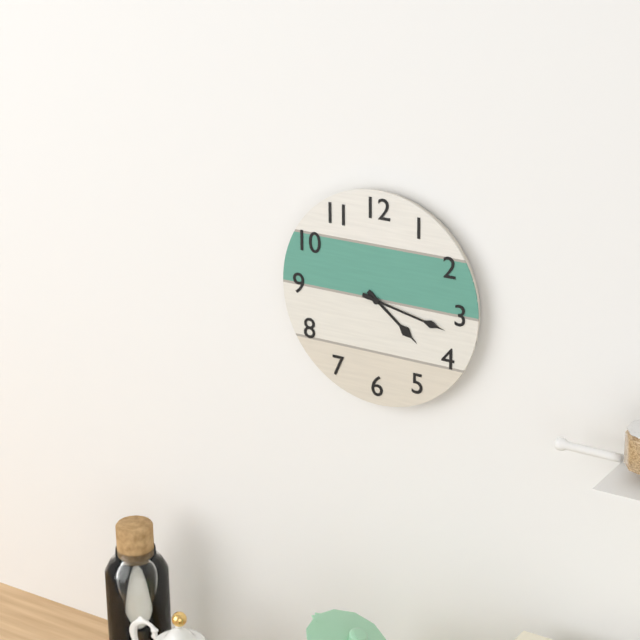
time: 4:17
